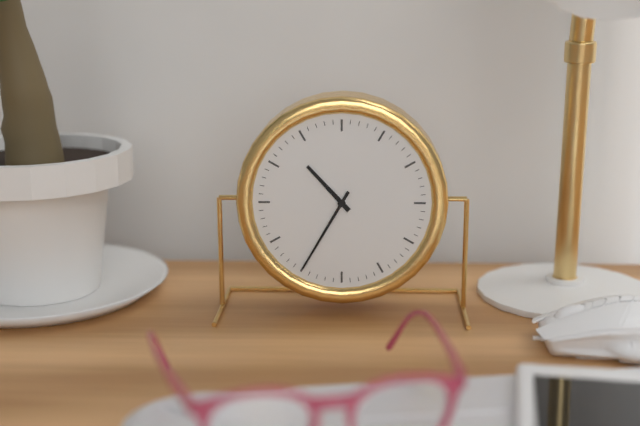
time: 10:35
